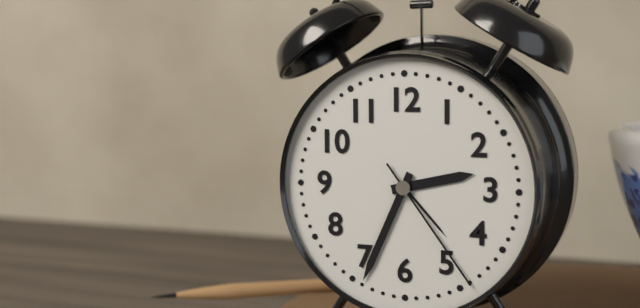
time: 2:34:24
